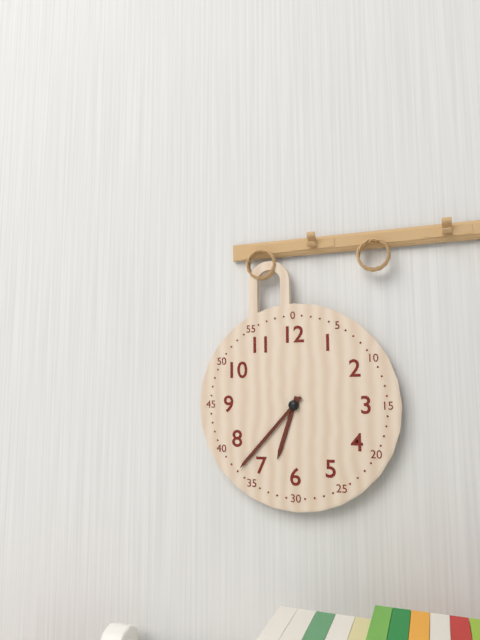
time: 6:37
